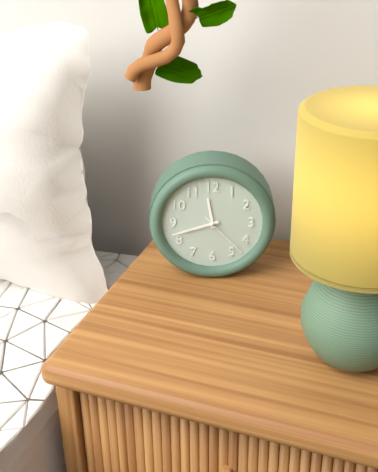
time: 11:42:23
